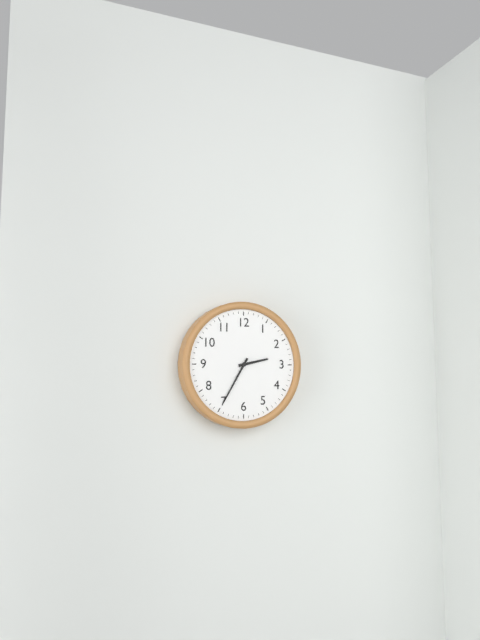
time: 2:35
